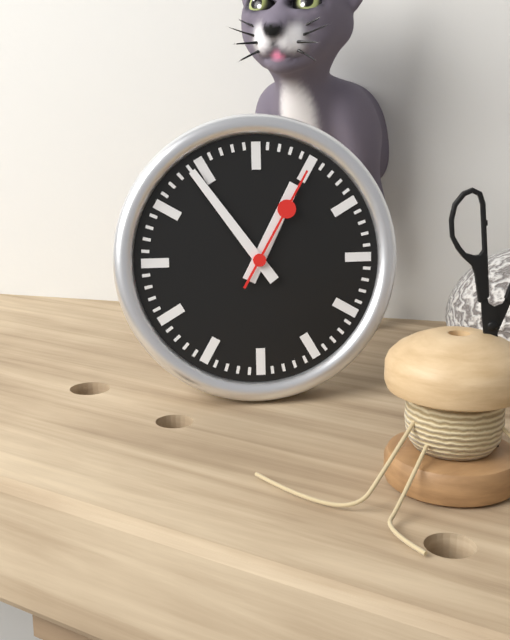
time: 12:54:05
